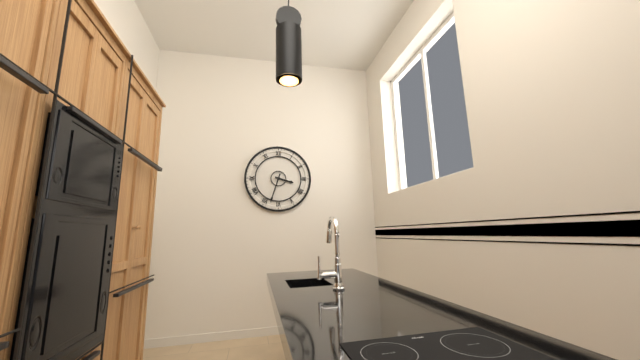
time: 3:33
